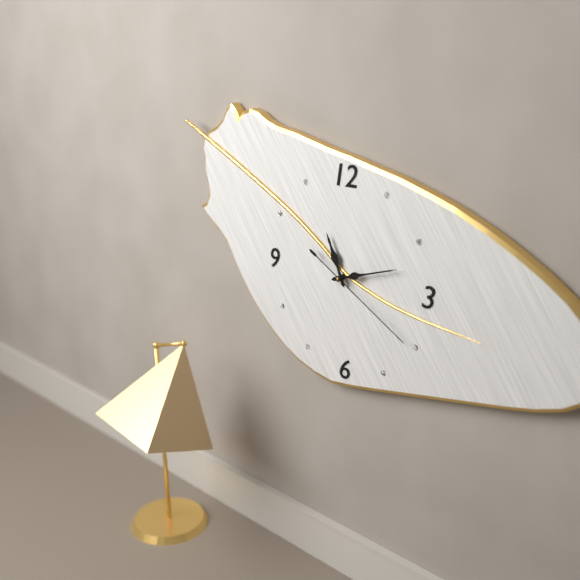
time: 11:12:20
